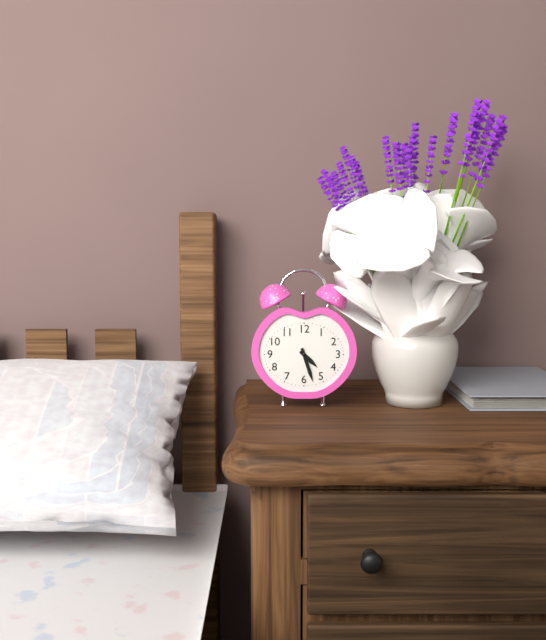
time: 4:27
